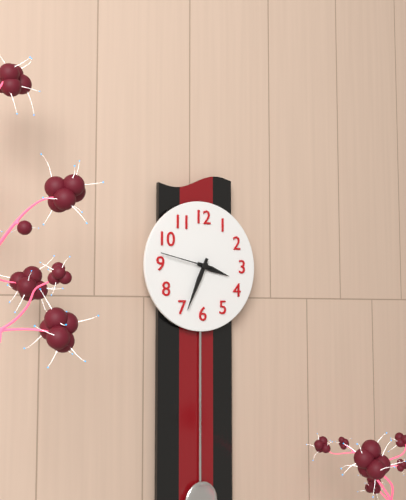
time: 3:34:47
